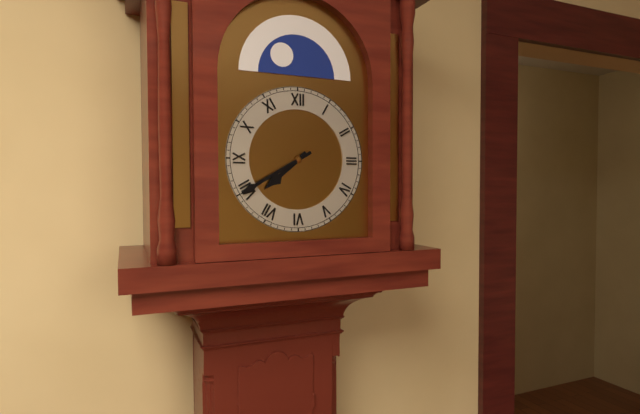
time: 7:40
